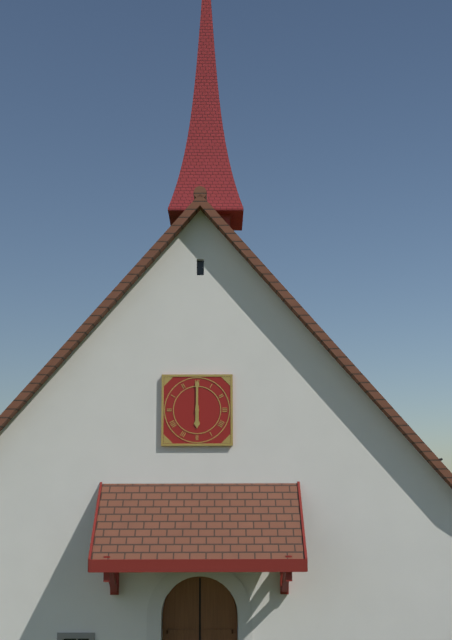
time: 6:00
